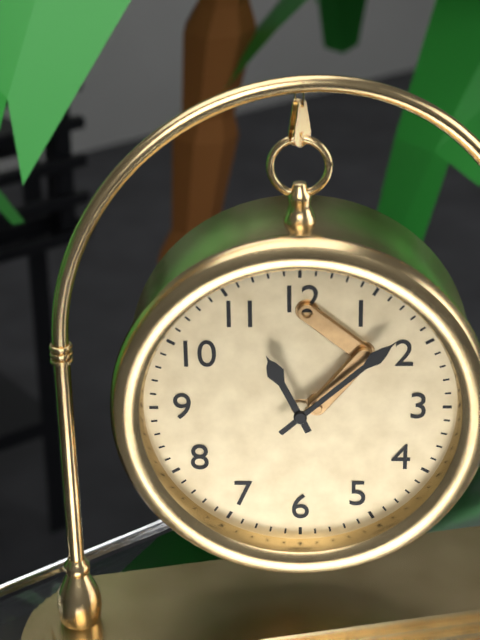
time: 11:08
